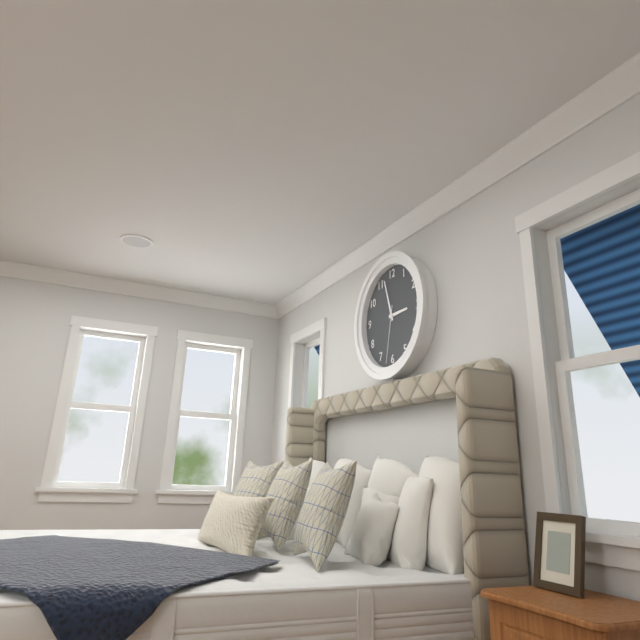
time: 2:57:32
